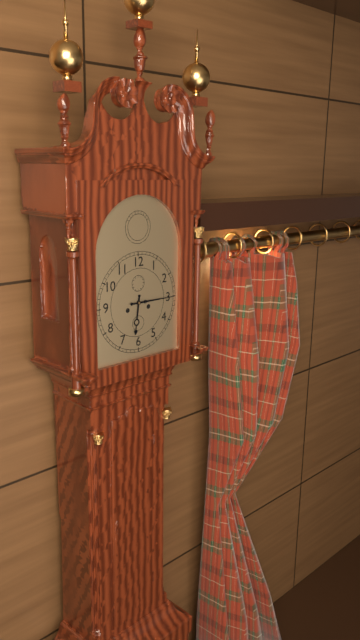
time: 6:15
